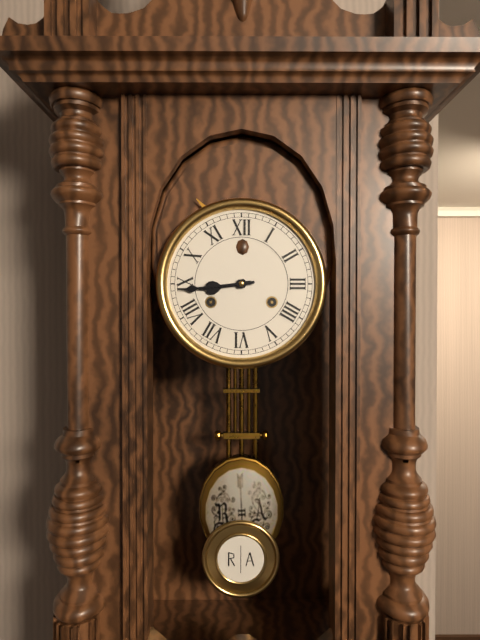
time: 8:44
